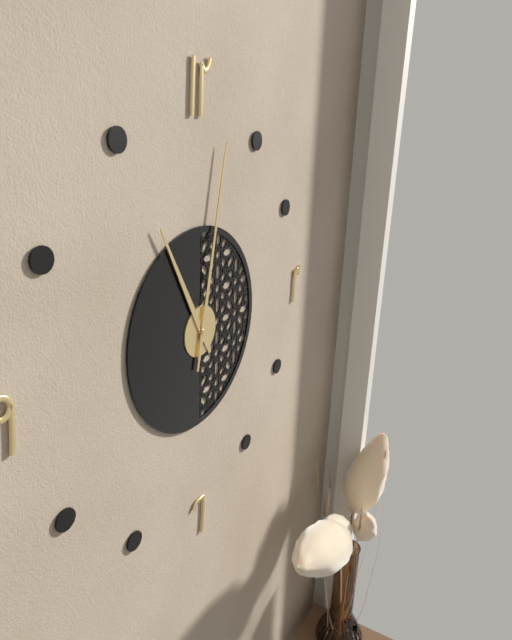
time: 11:02
